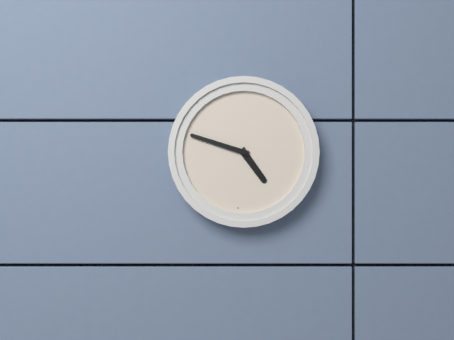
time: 4:48
